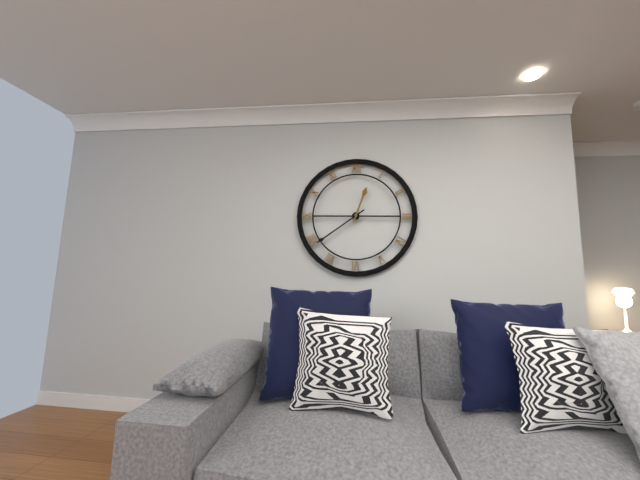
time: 12:39
